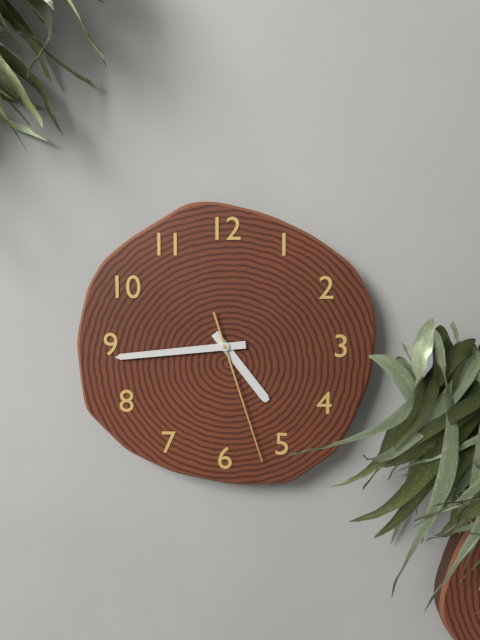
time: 4:44:27
